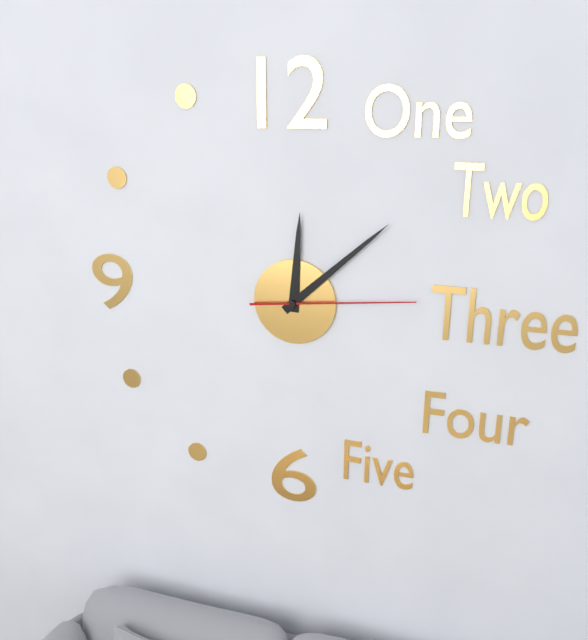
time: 12:08:14
